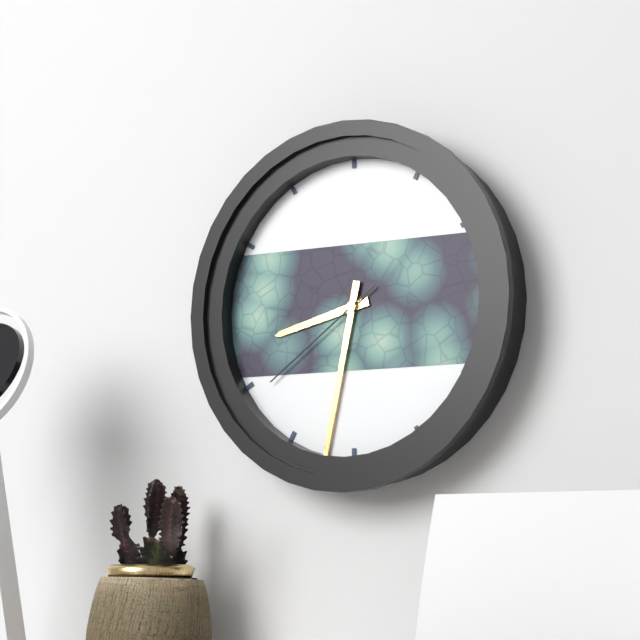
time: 8:32:39
